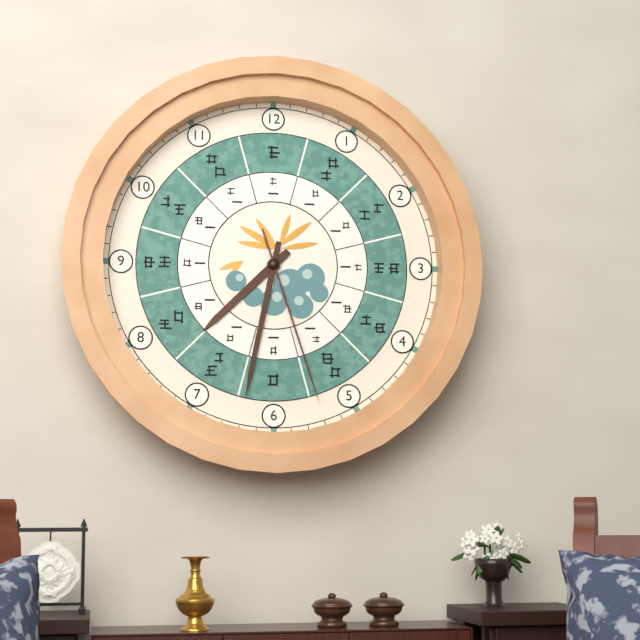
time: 7:32:27
